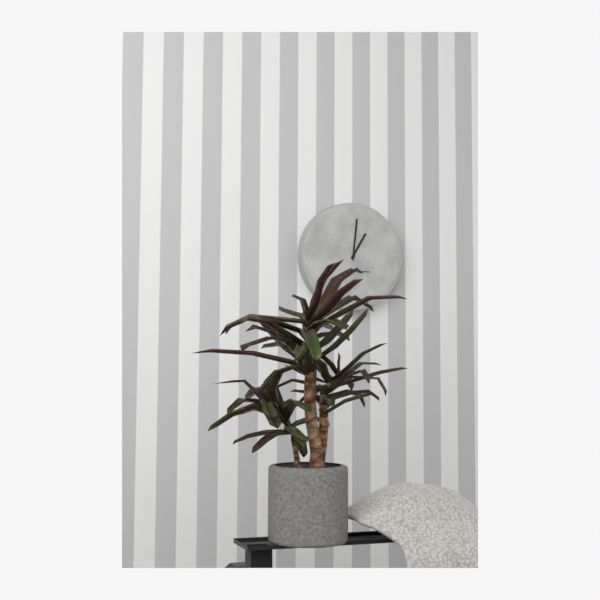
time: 1:01
